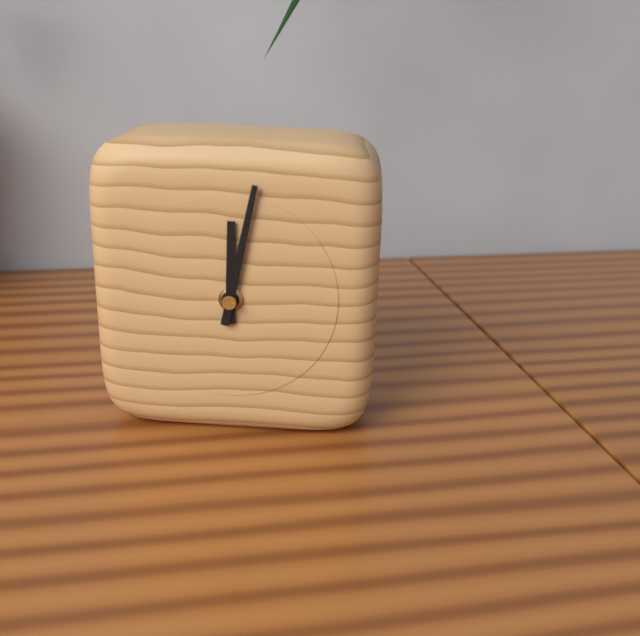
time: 12:02
